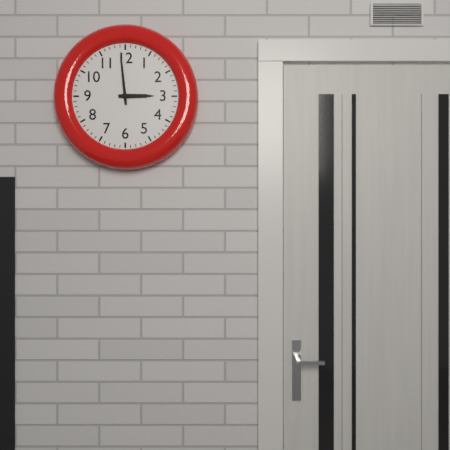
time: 2:59
